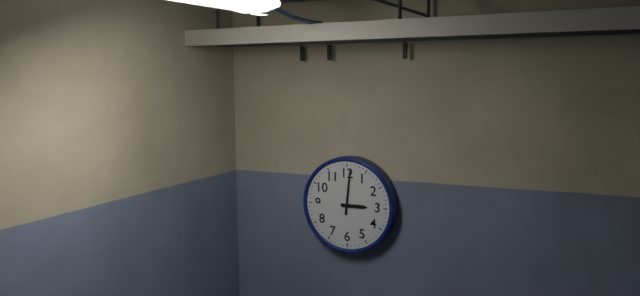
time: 3:01
